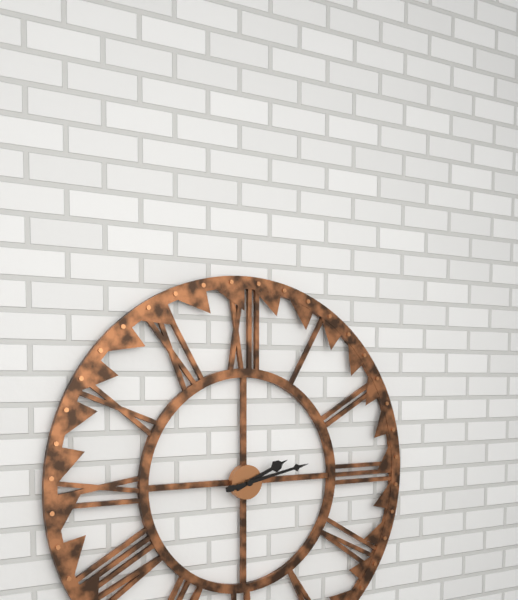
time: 2:13
